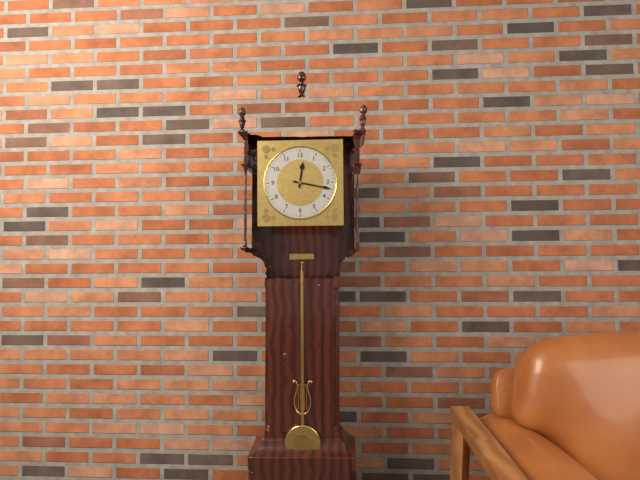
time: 12:17
